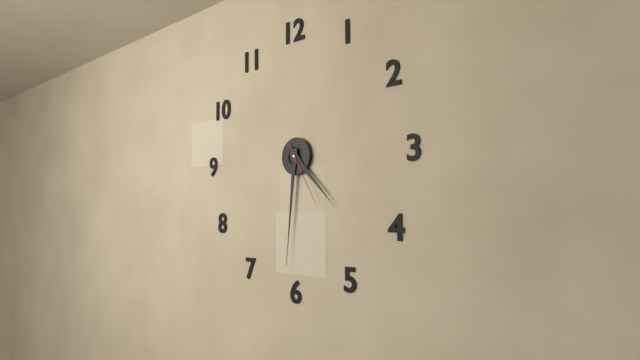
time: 4:31:25
